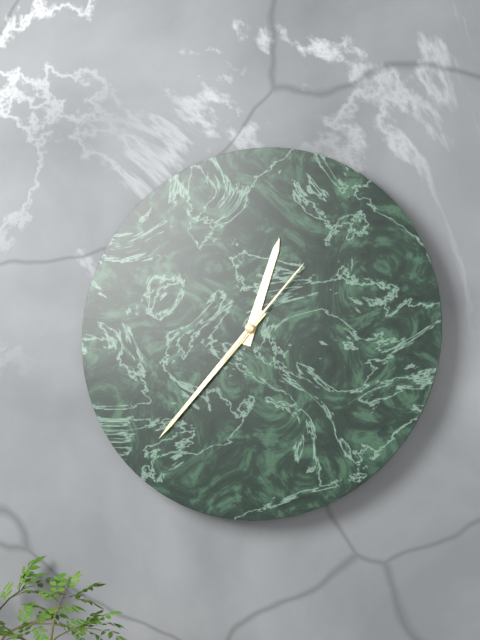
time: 12:37:07
